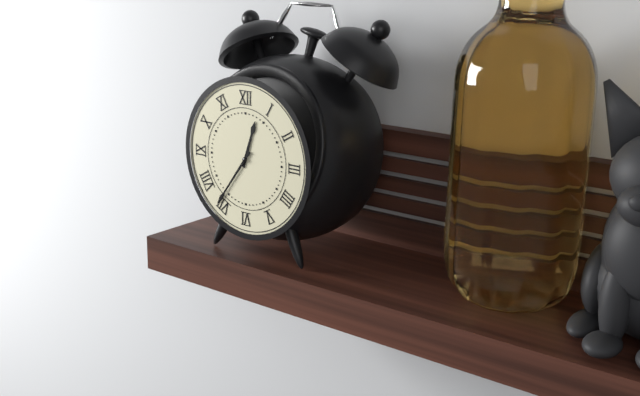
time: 12:36
